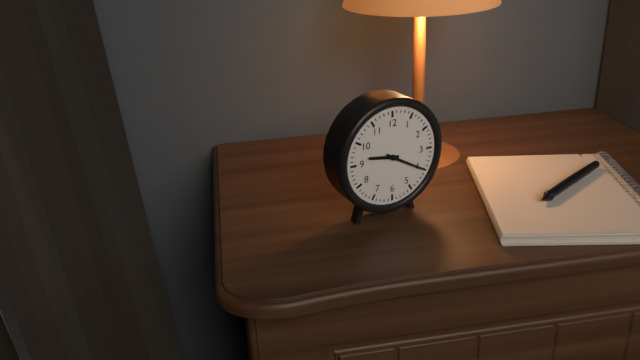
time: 9:20
